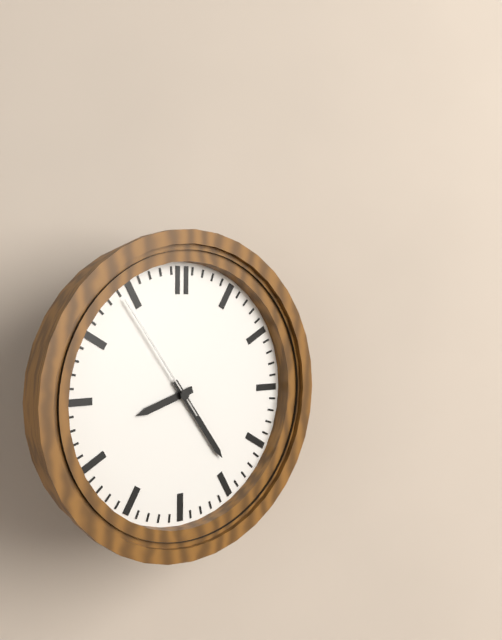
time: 8:24:54
